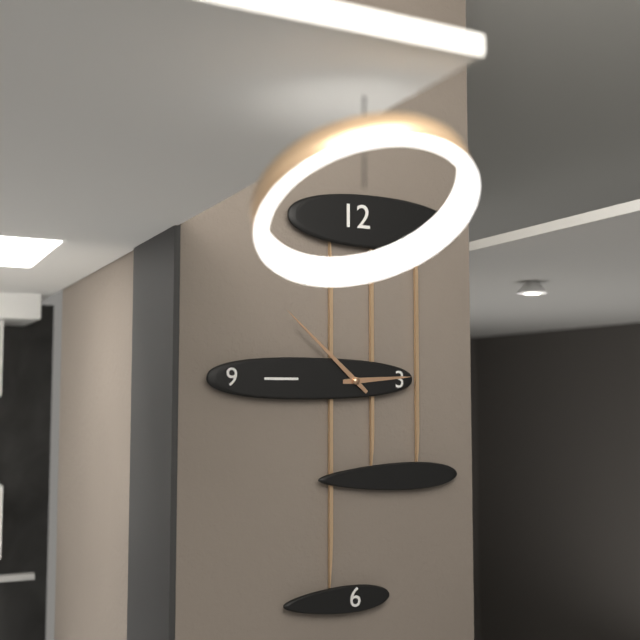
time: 2:52
